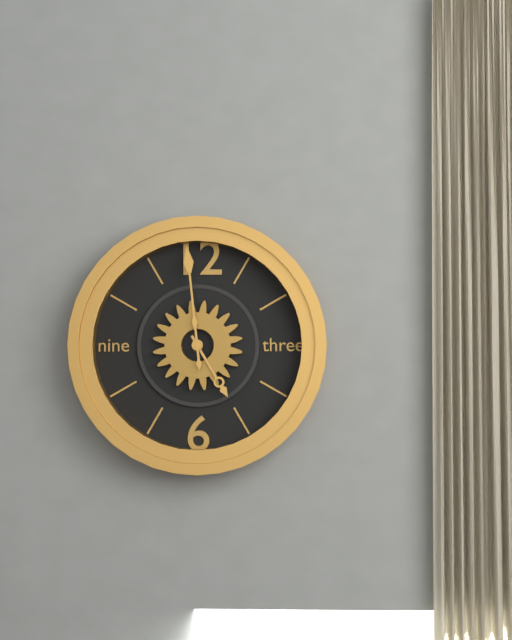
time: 4:59
